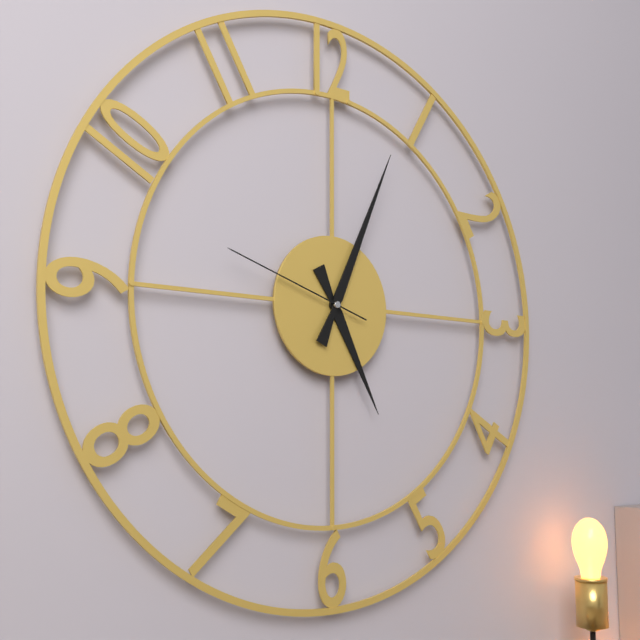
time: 5:04:48
